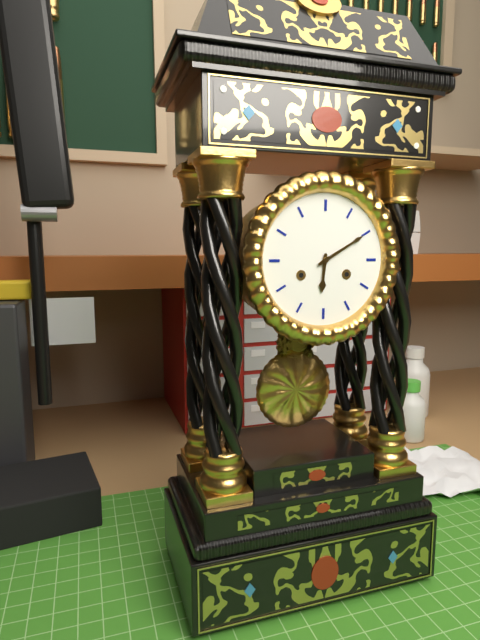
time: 6:10
